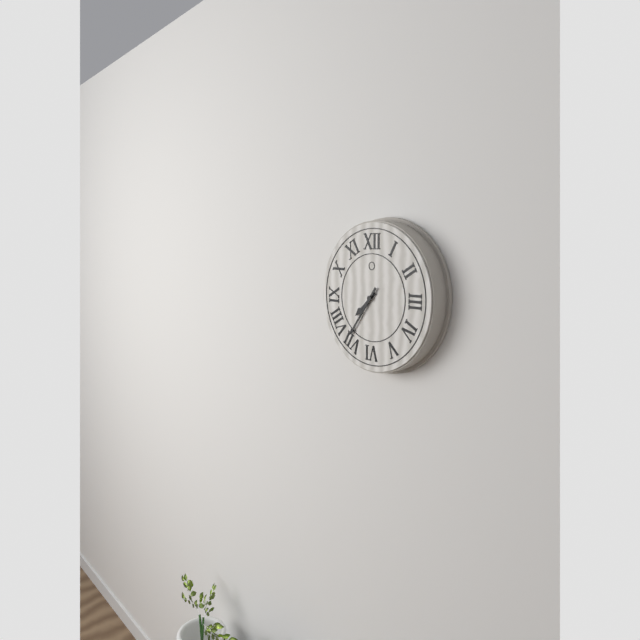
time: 7:36
